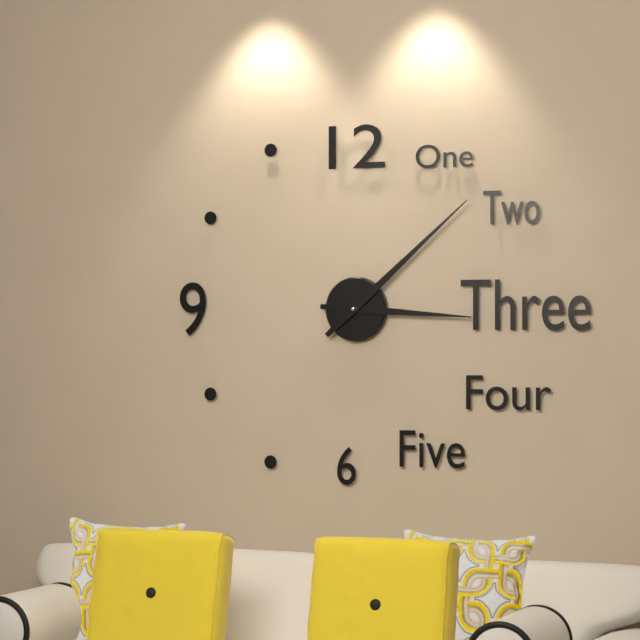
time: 3:08
